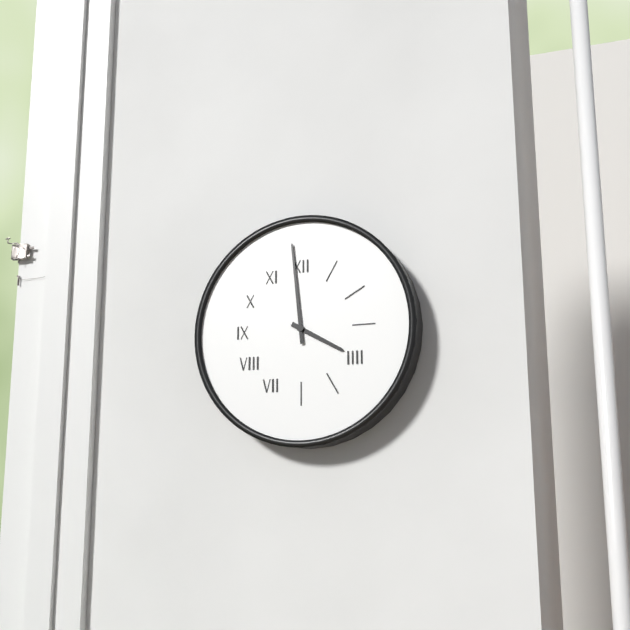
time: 3:59
